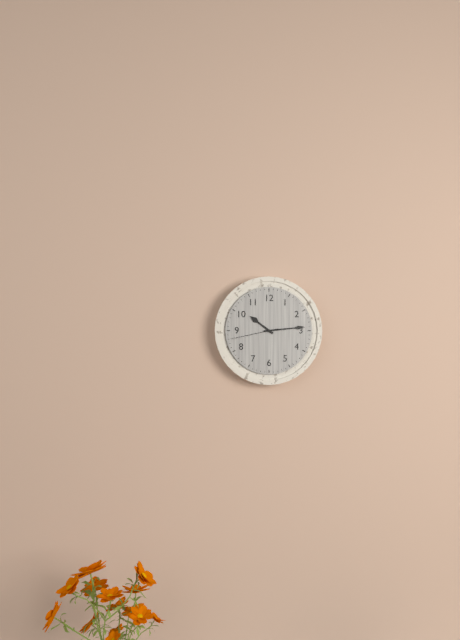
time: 10:14
